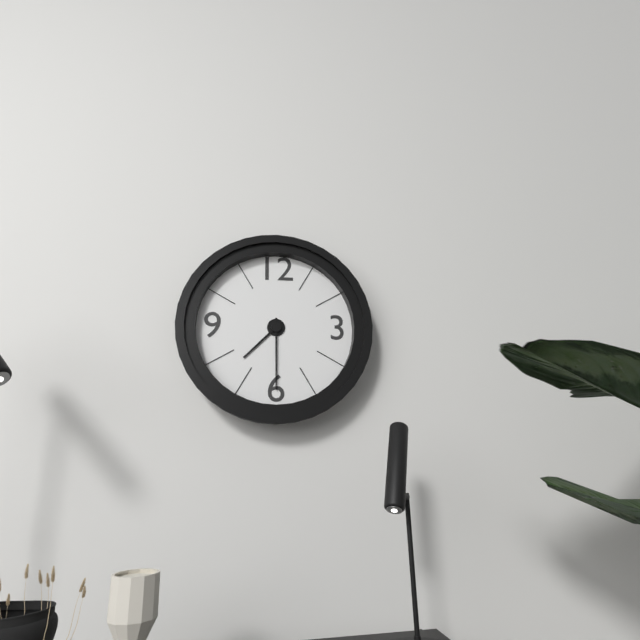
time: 7:30
